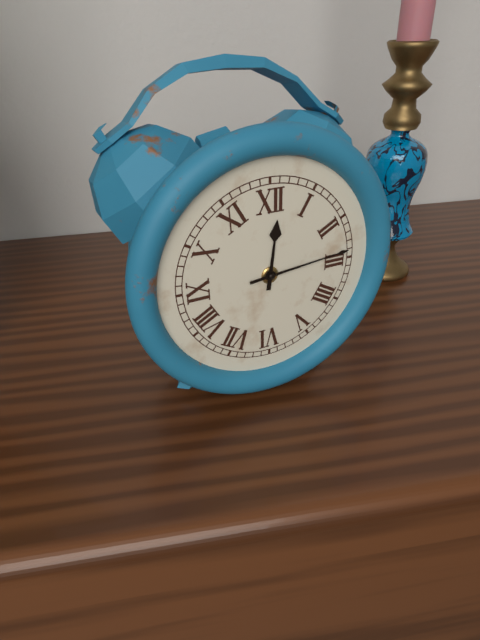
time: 12:14
